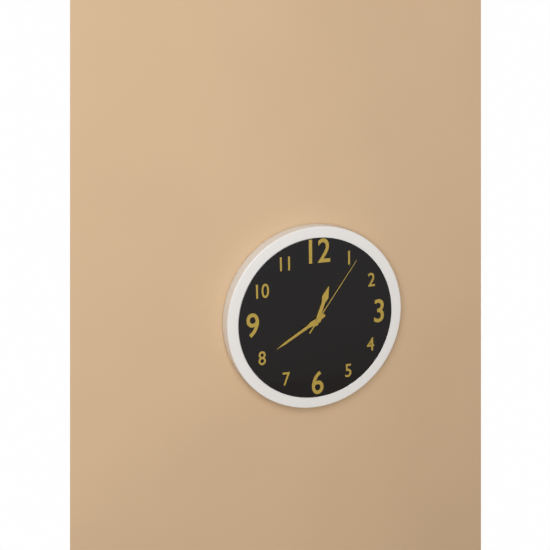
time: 12:40:06
